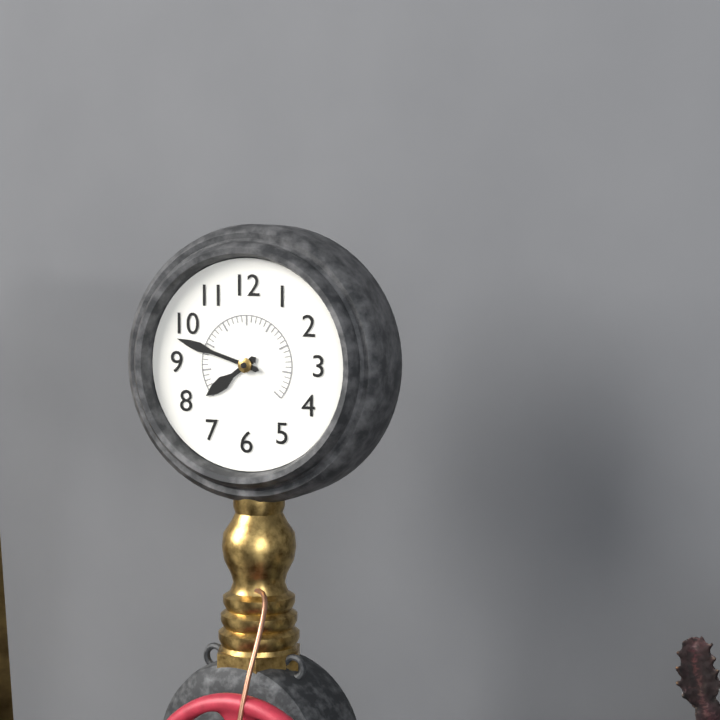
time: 7:48
